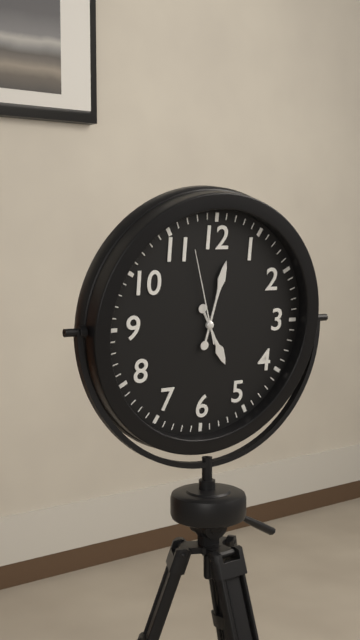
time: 5:02:57
